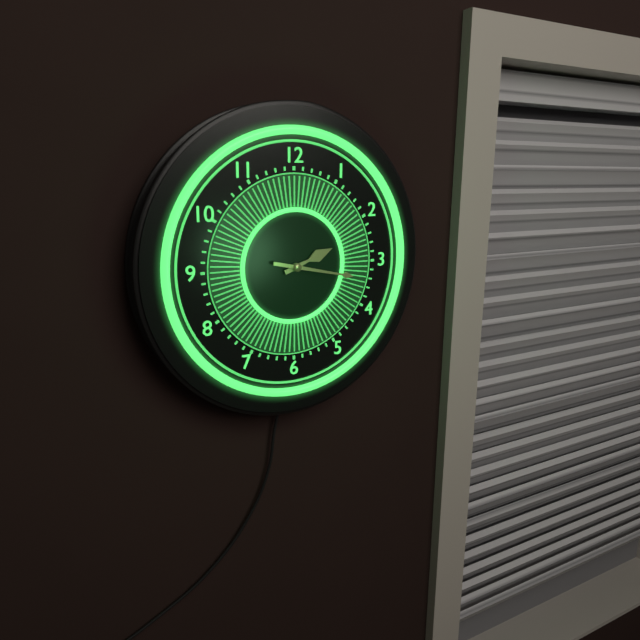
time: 2:17
